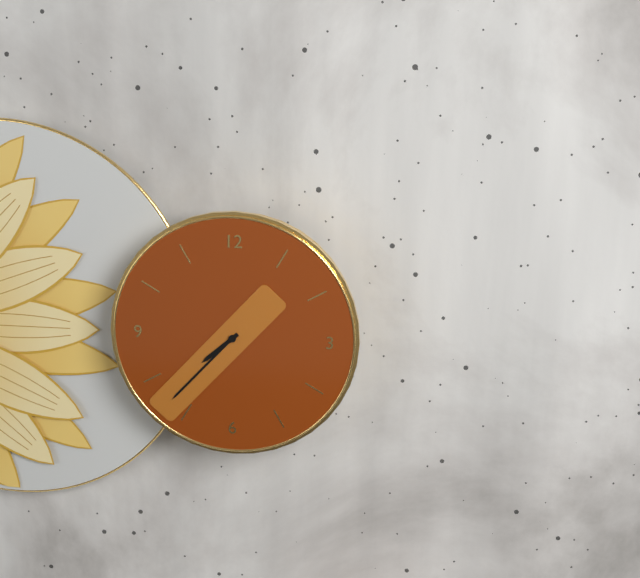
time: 7:37
